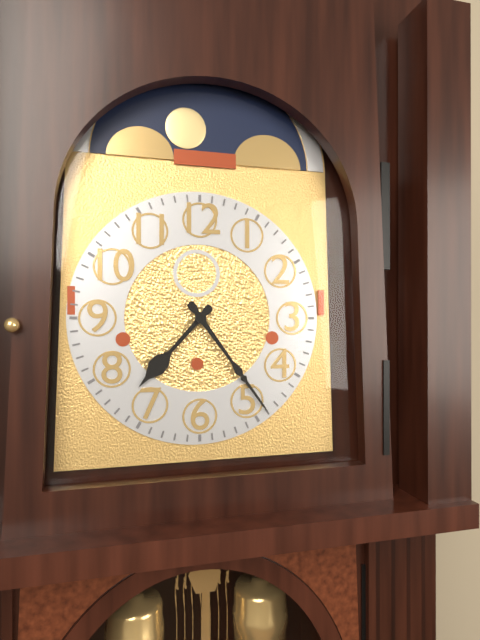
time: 7:24
